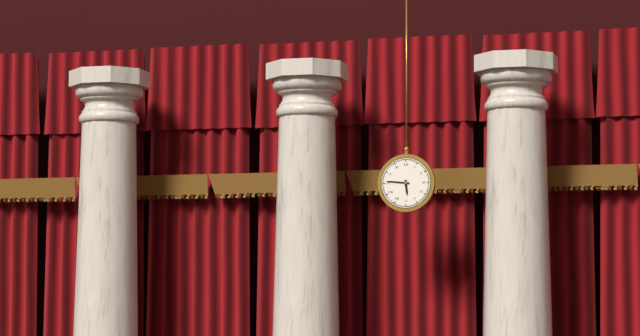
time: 5:46
